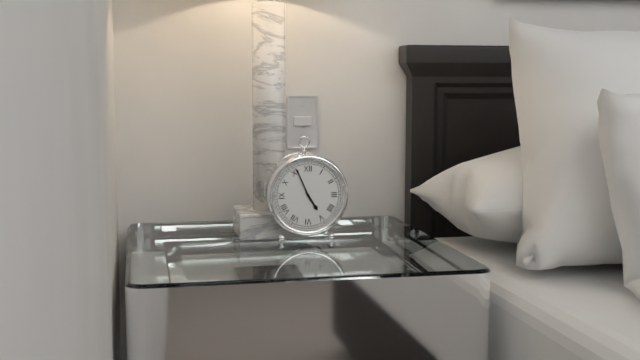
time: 4:56
